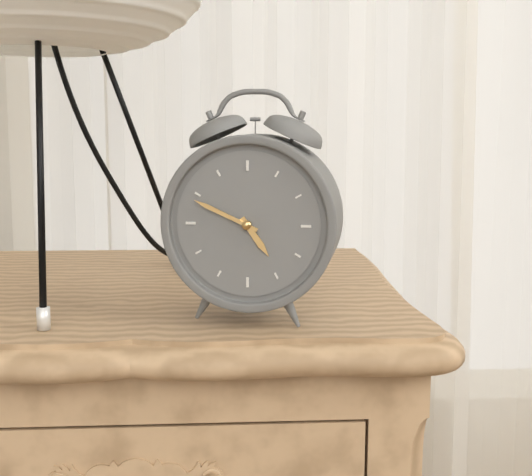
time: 4:49
